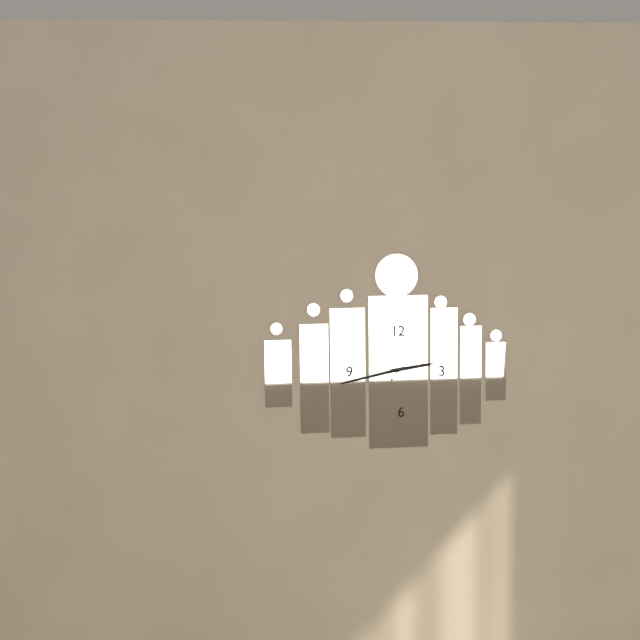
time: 2:43:05
